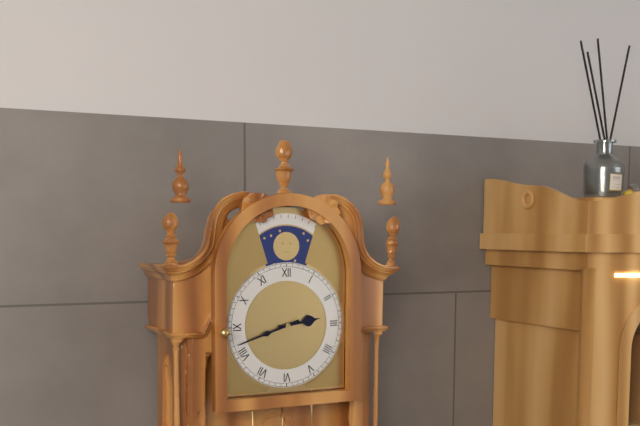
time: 2:42
